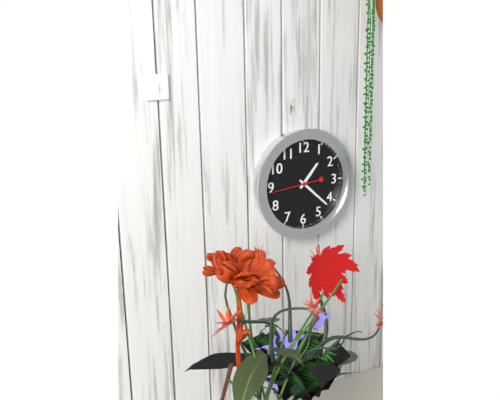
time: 1:22
